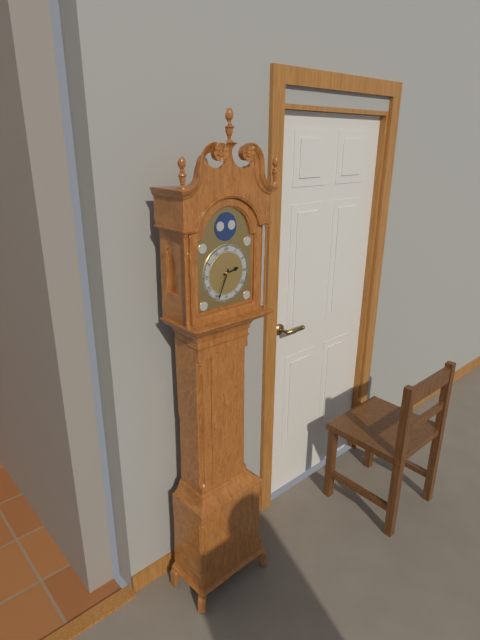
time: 2:34
